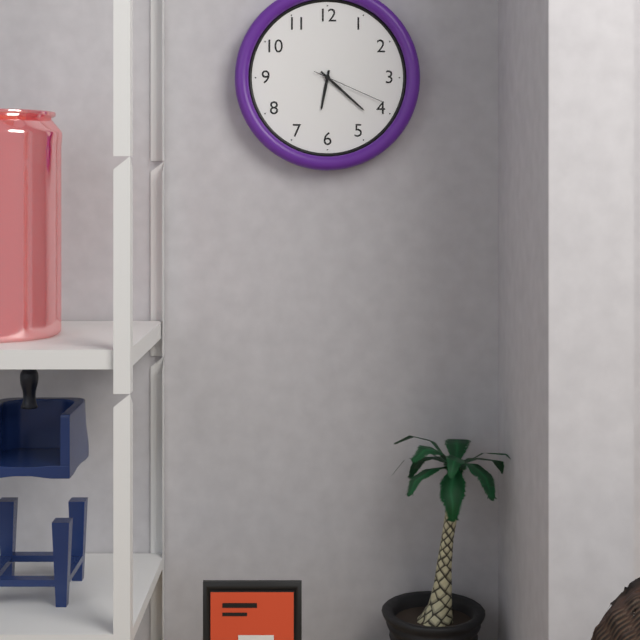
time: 6:22:19
